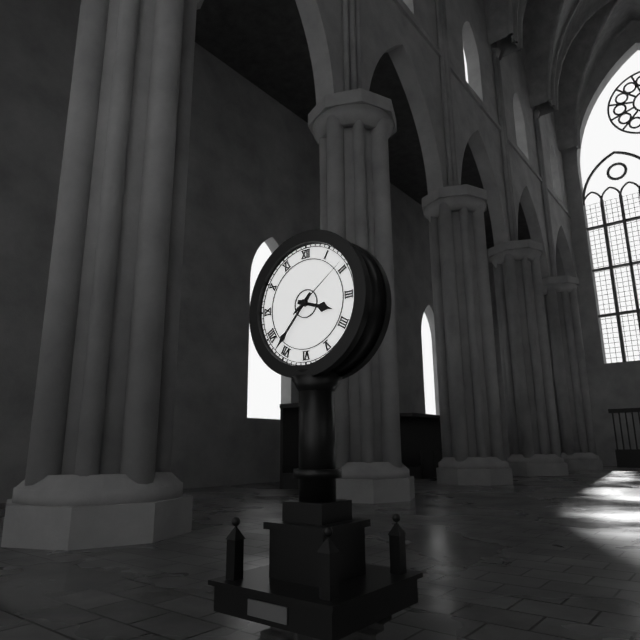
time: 3:37:09
